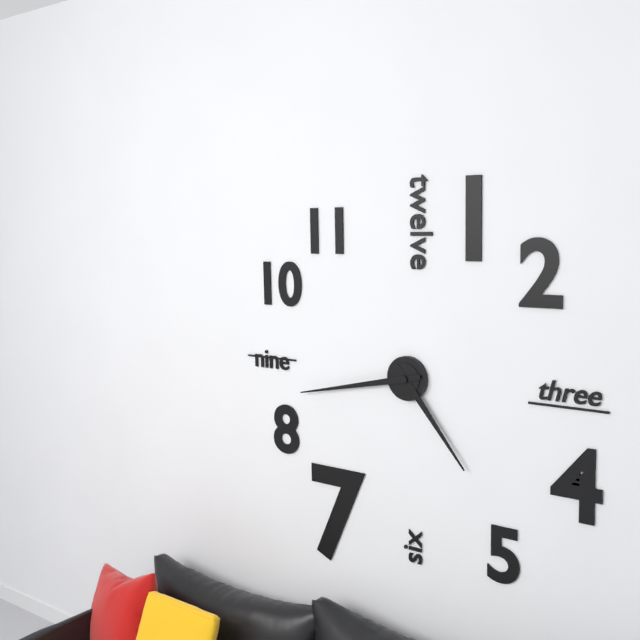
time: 4:43
